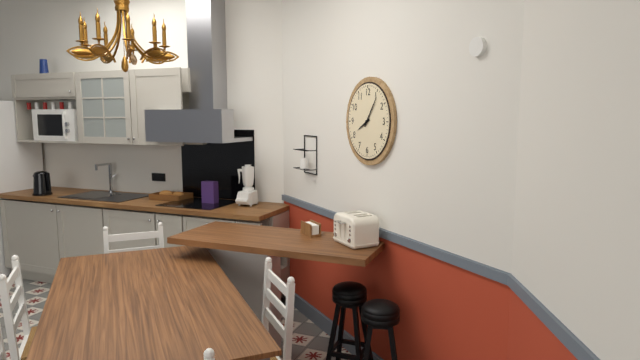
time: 8:06
